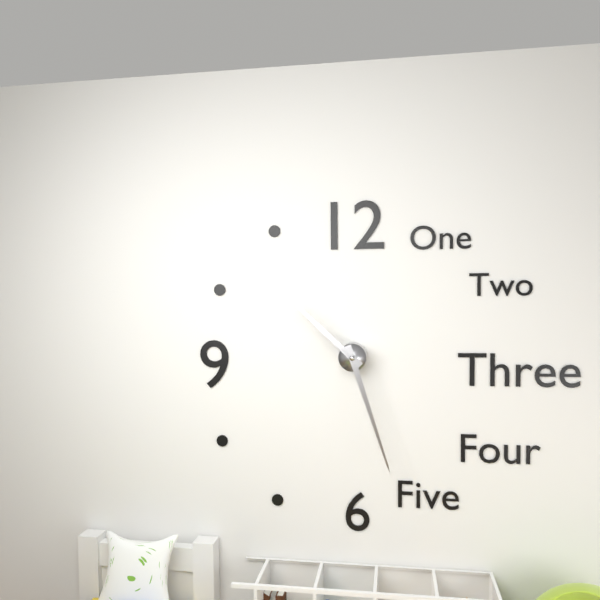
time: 10:27
